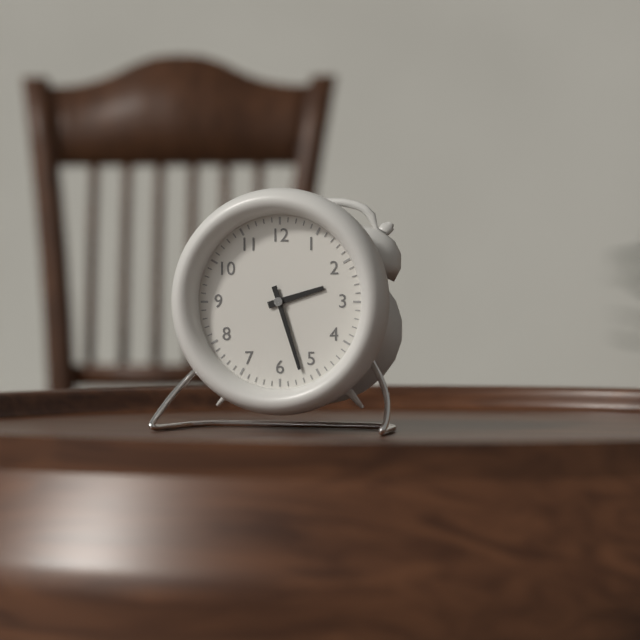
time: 2:27
